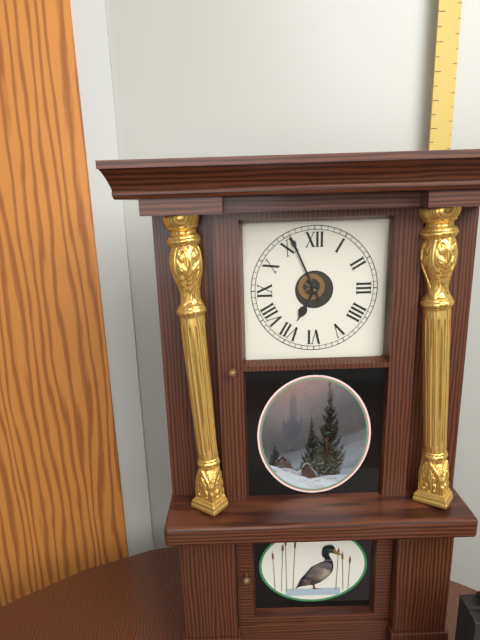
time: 6:56
